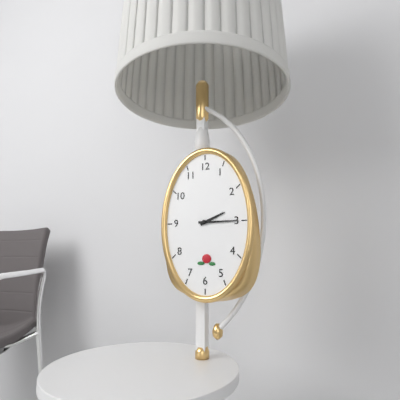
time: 2:15
